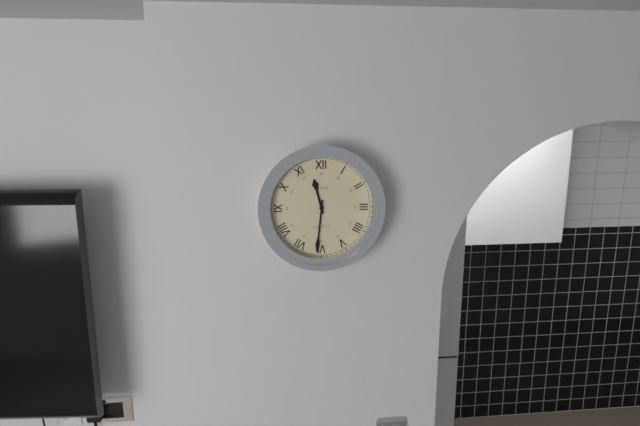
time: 11:31
